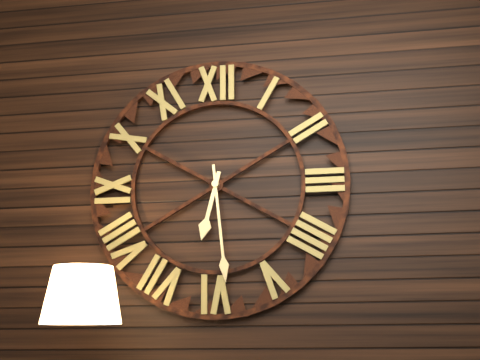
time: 6:29
